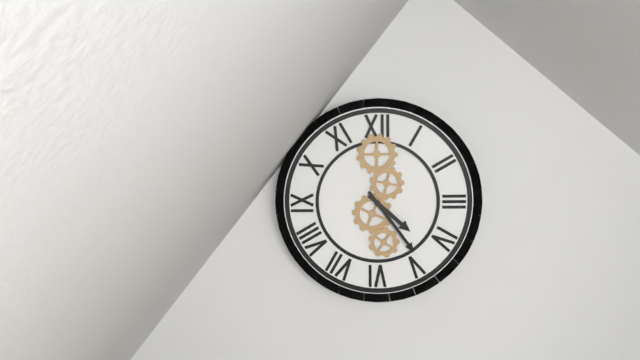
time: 4:24
